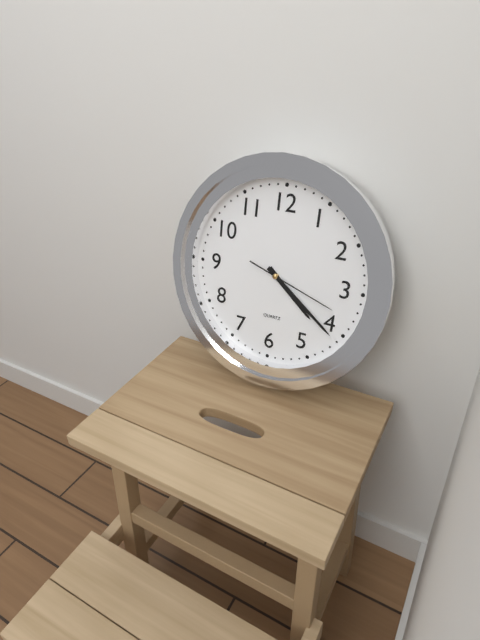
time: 4:21:18
